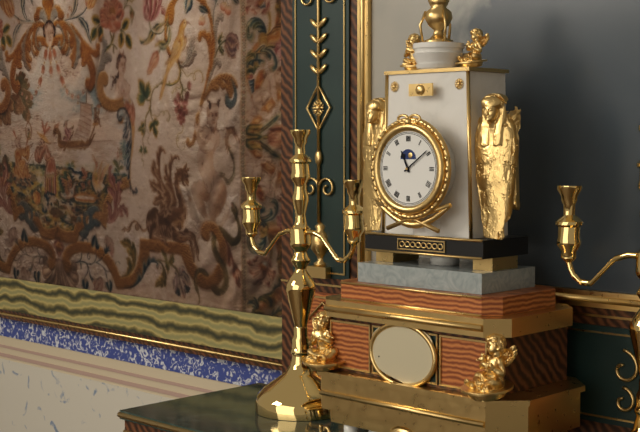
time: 11:09
